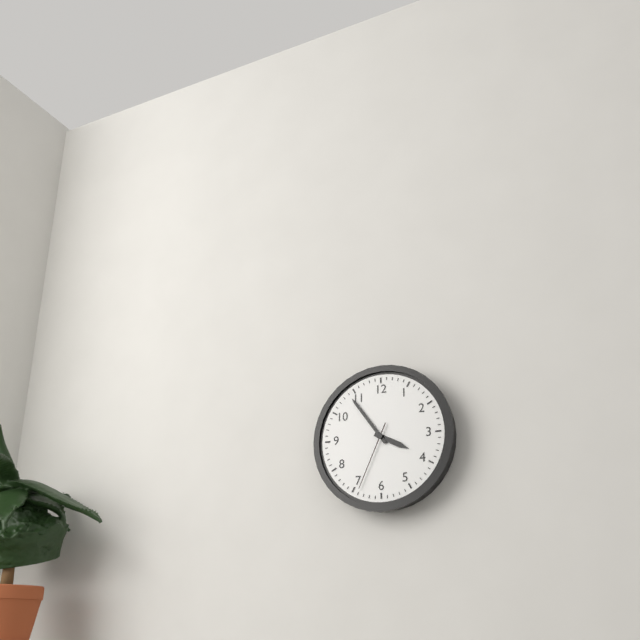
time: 3:54:34
